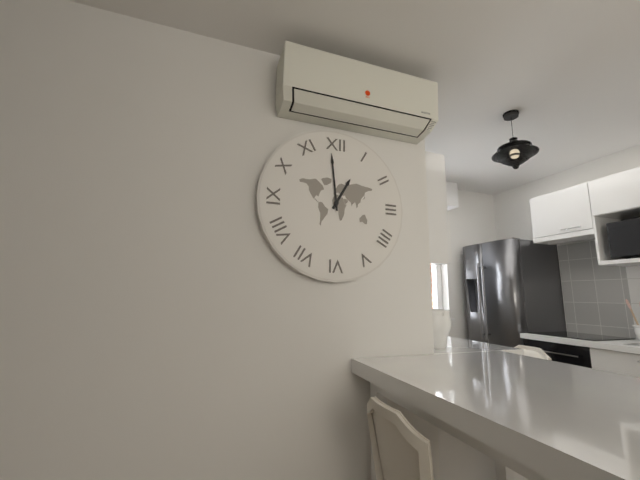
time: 12:59
